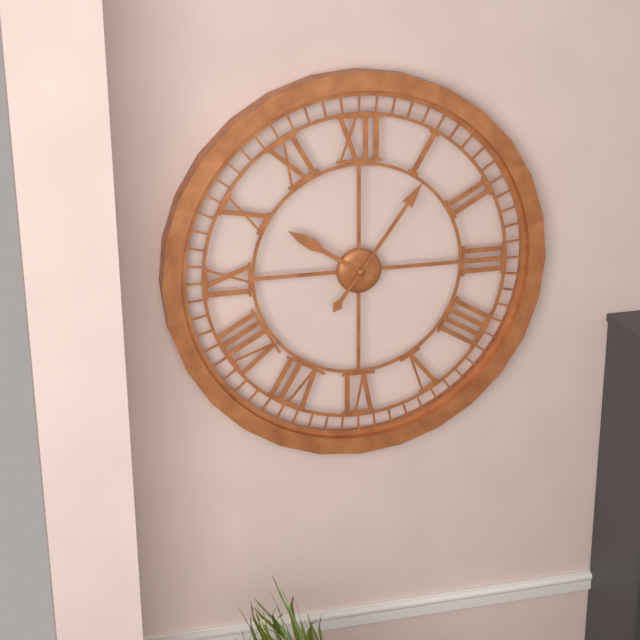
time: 10:06
